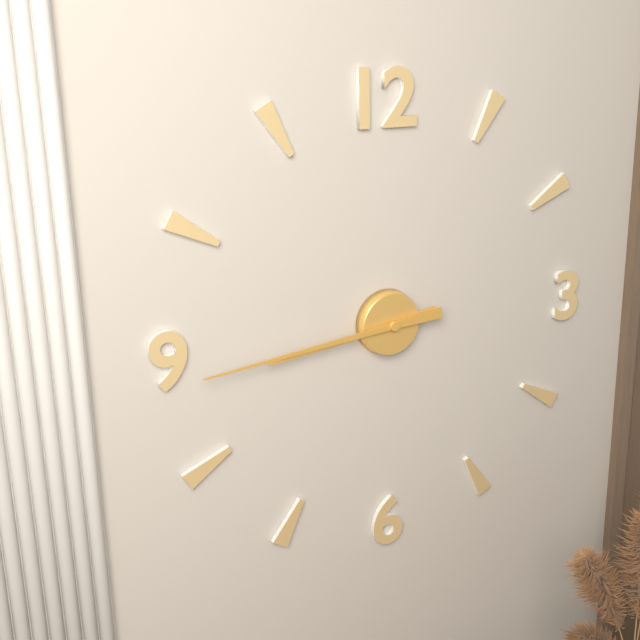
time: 8:44
